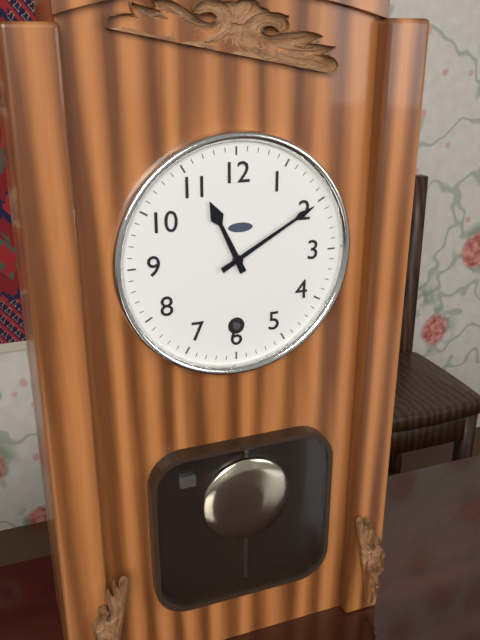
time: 11:10
